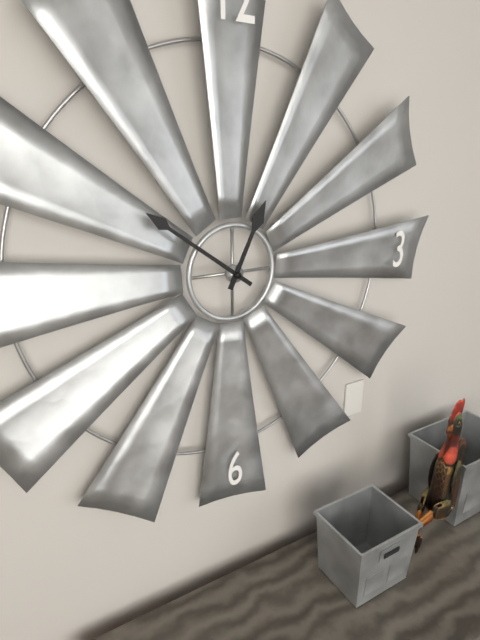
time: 12:51
